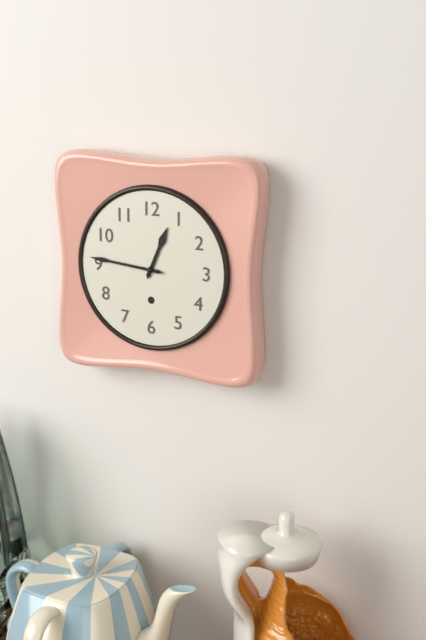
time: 12:46
